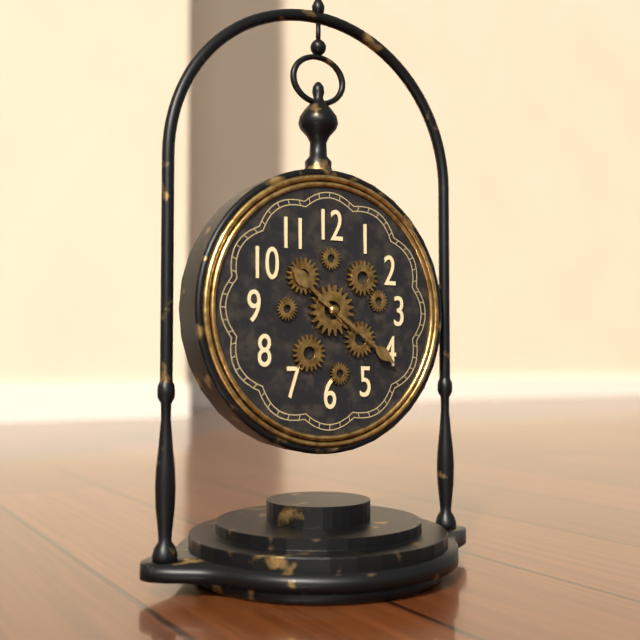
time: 10:21
